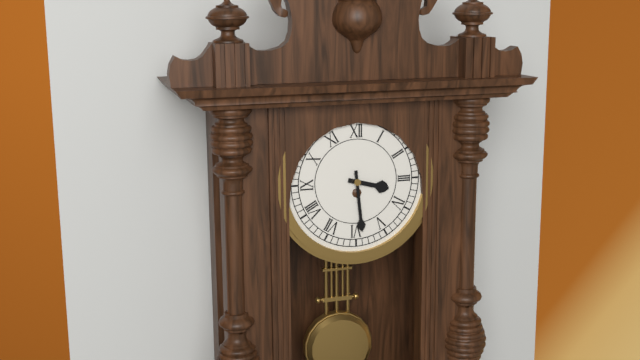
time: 3:29
